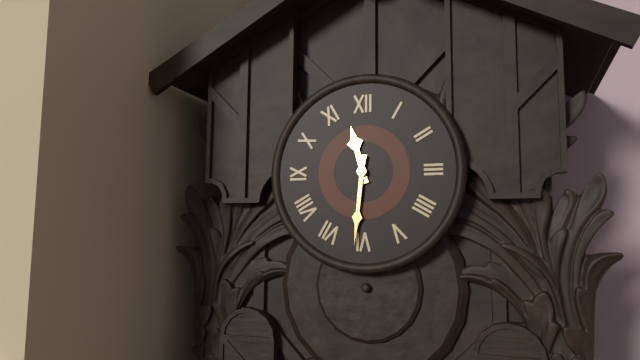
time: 11:31
